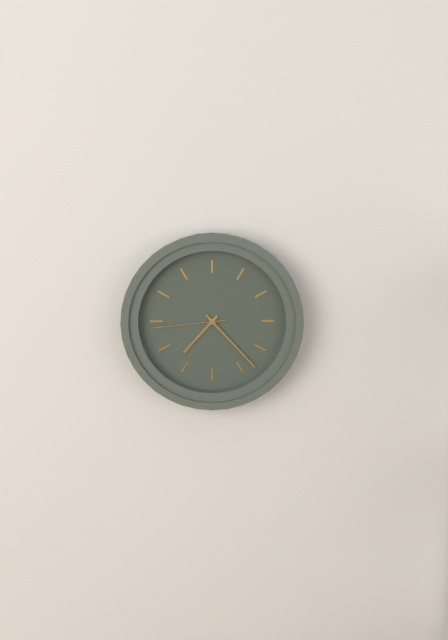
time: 7:23:44
